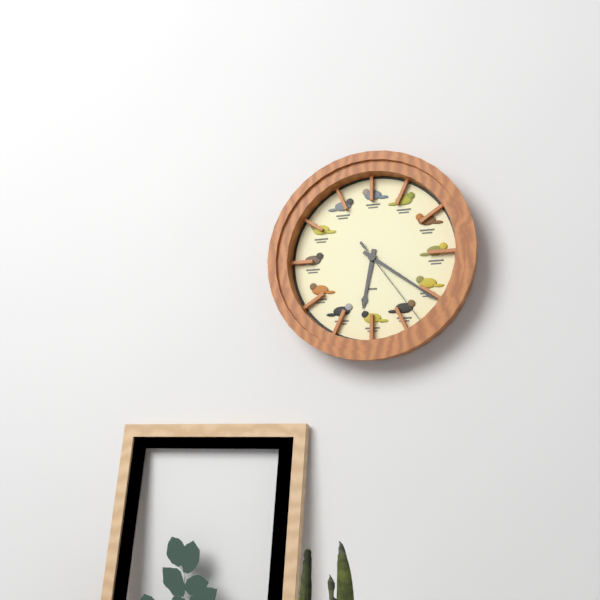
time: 6:21:24
